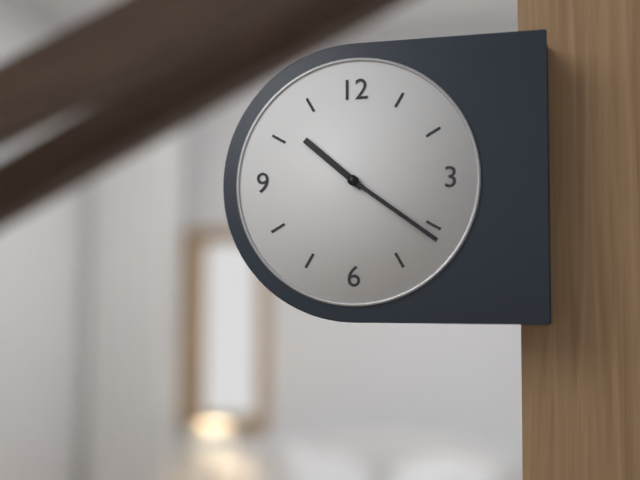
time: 10:21
